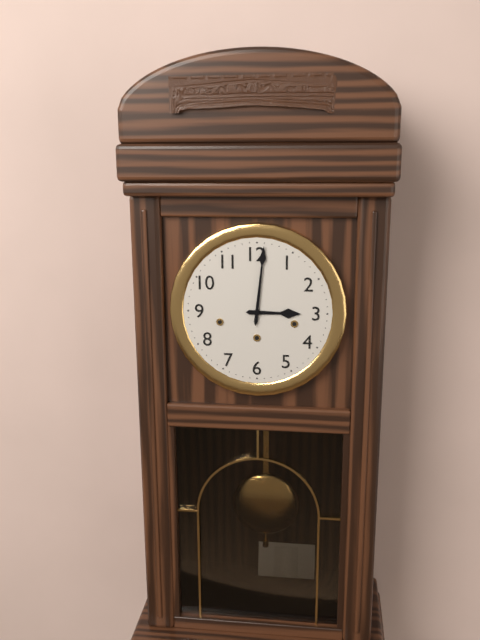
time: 3:01
